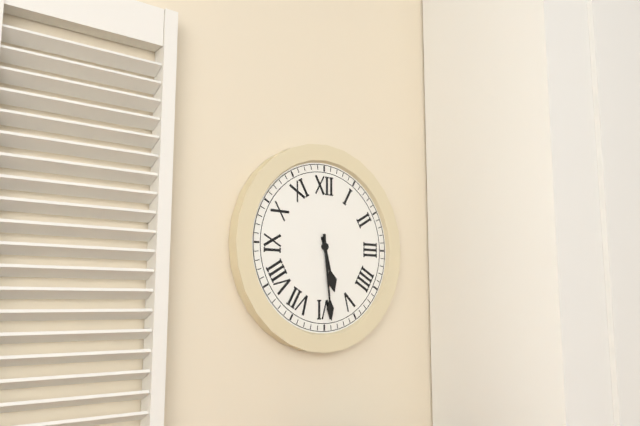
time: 5:29
